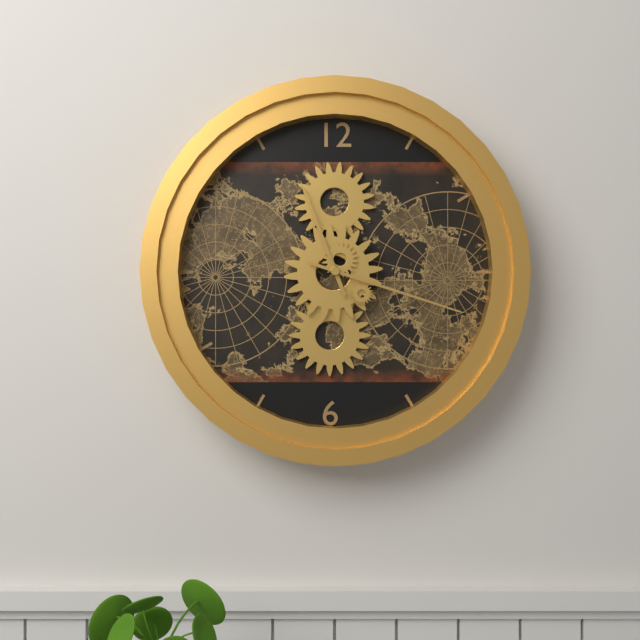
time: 11:18
